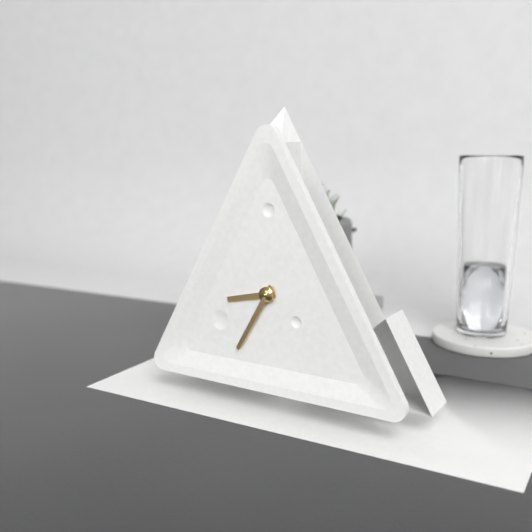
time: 8:35
